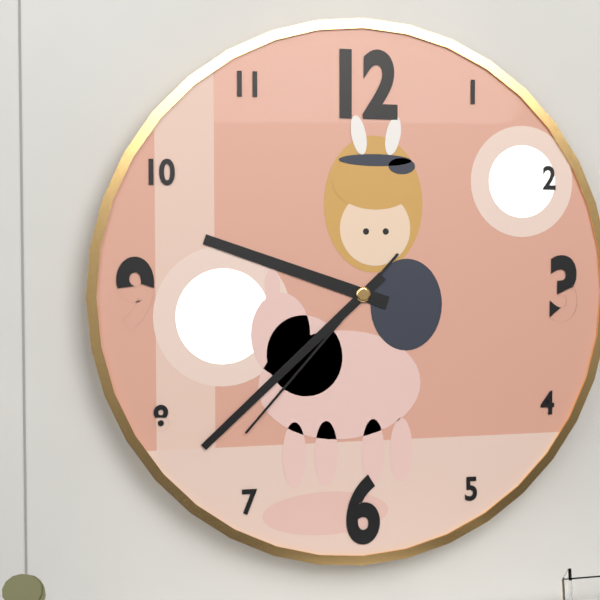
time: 9:38:37
